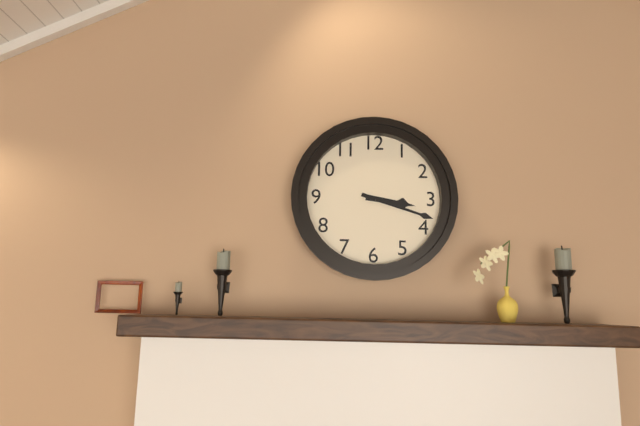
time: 3:18
